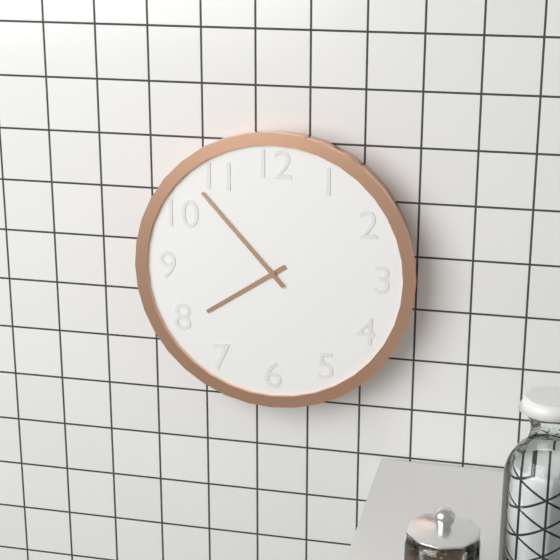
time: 7:53
